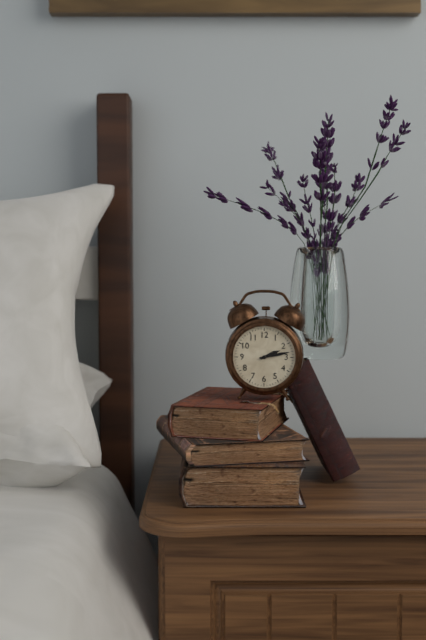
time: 2:13
